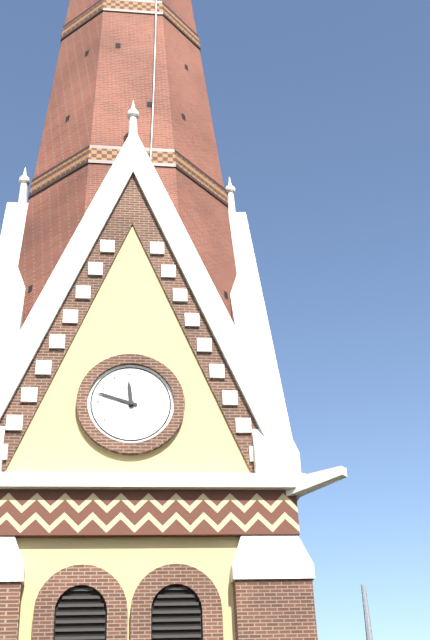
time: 11:48
